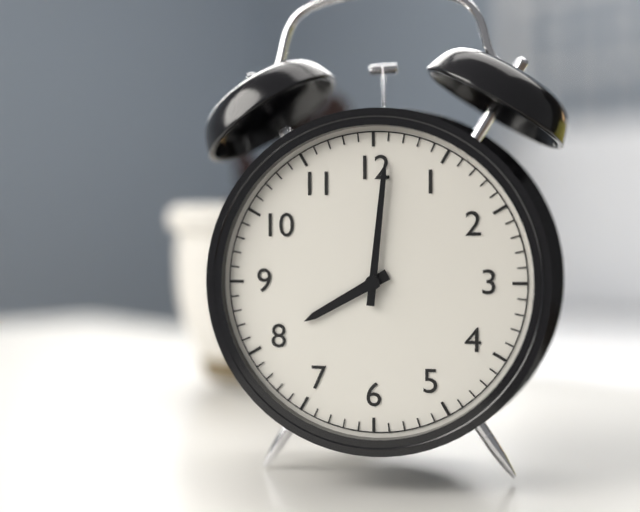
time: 8:01
